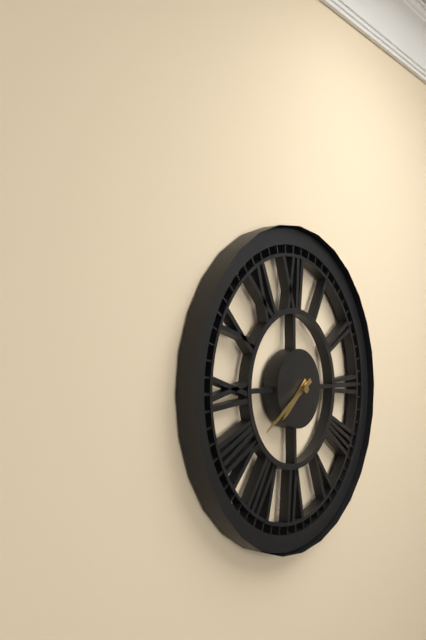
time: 7:40
